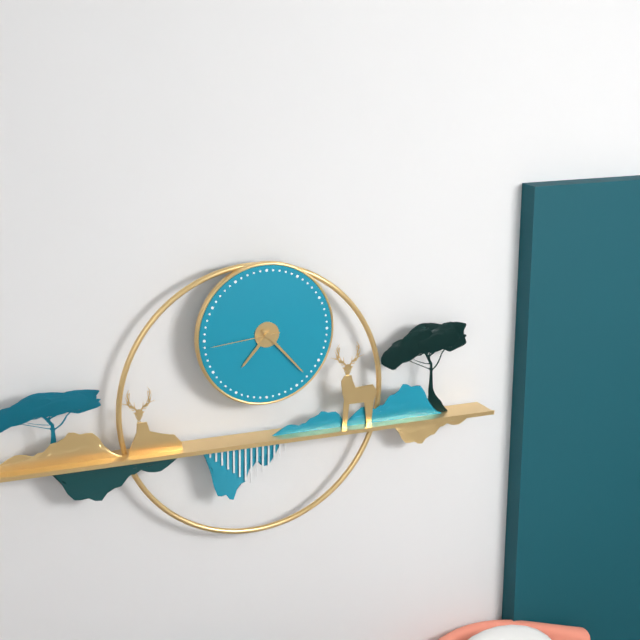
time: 7:23:44
